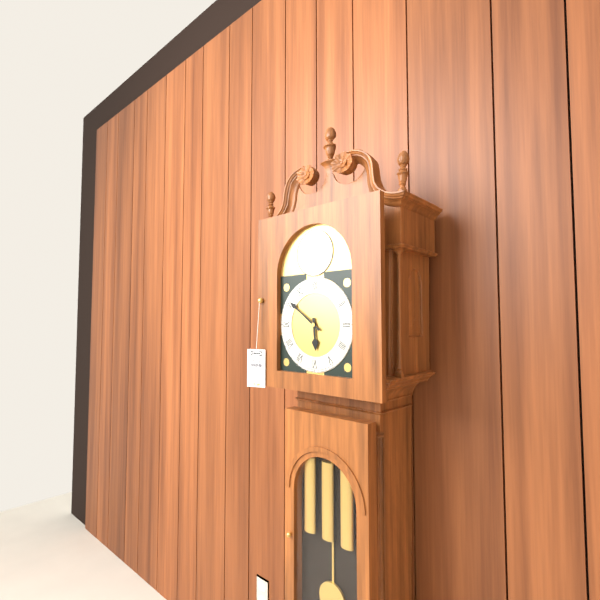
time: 5:51
